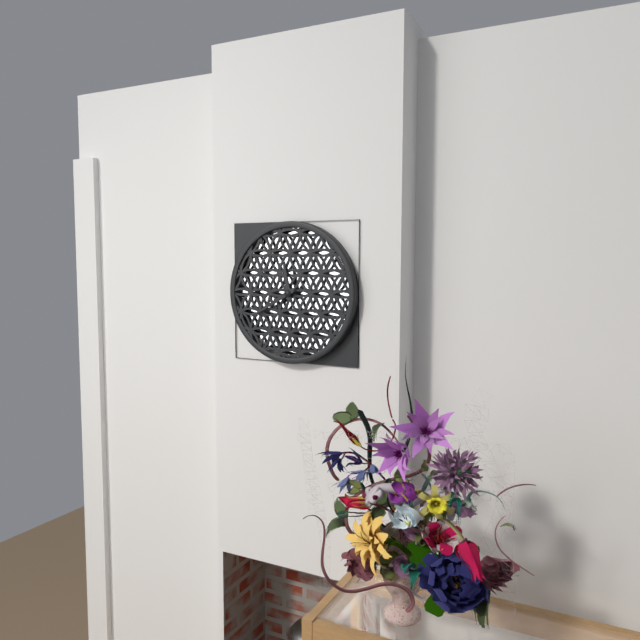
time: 11:40
